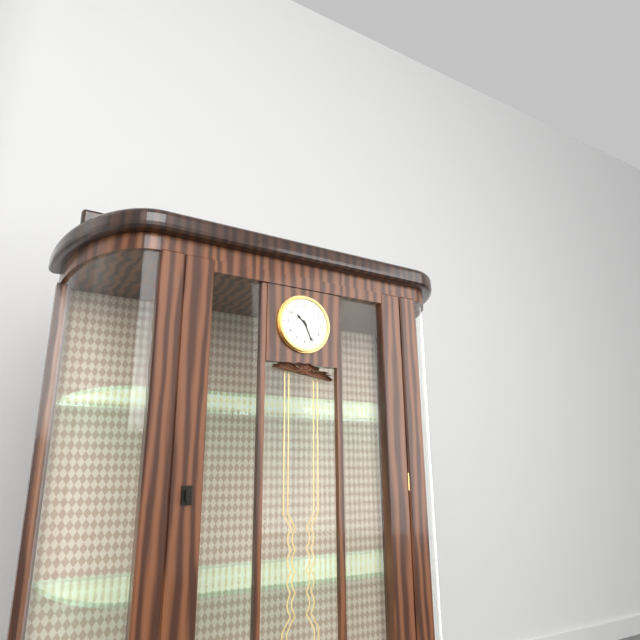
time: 10:26
